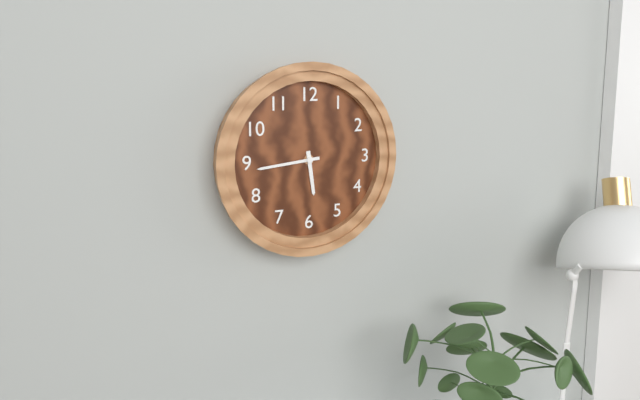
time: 5:44
